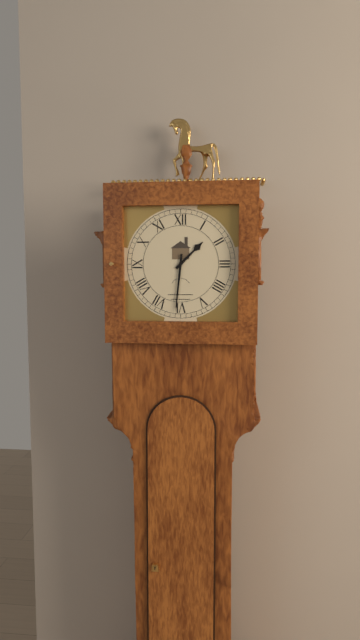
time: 1:31
